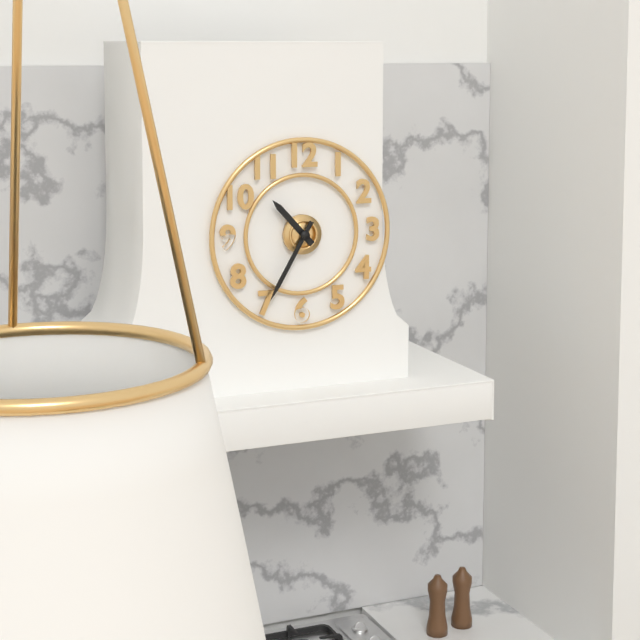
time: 10:35
